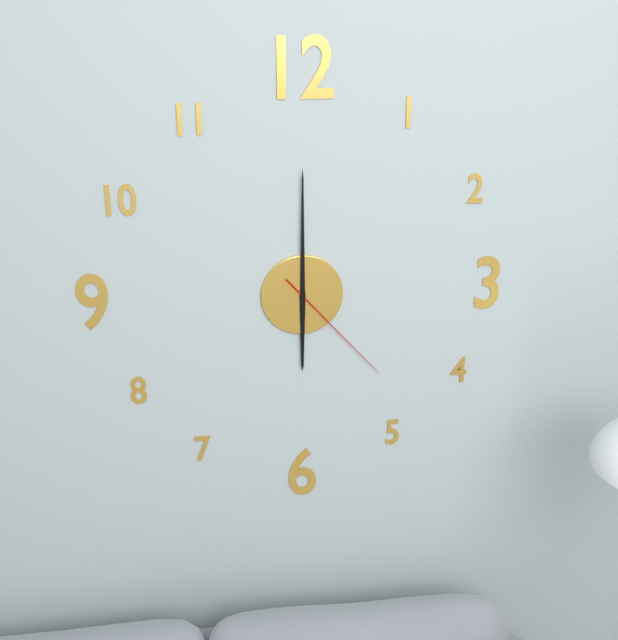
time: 6:00:23
